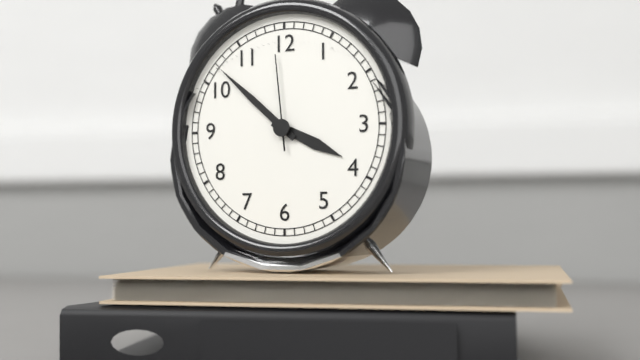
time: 3:52:59
